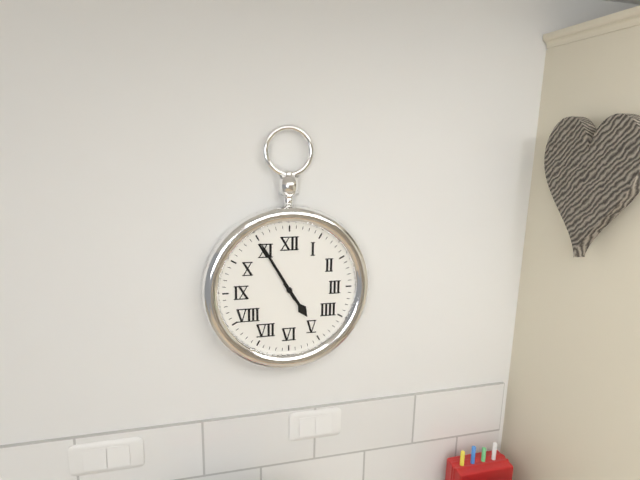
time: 4:55
